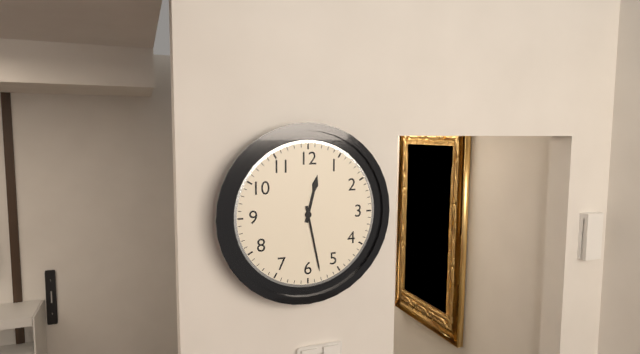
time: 12:28
